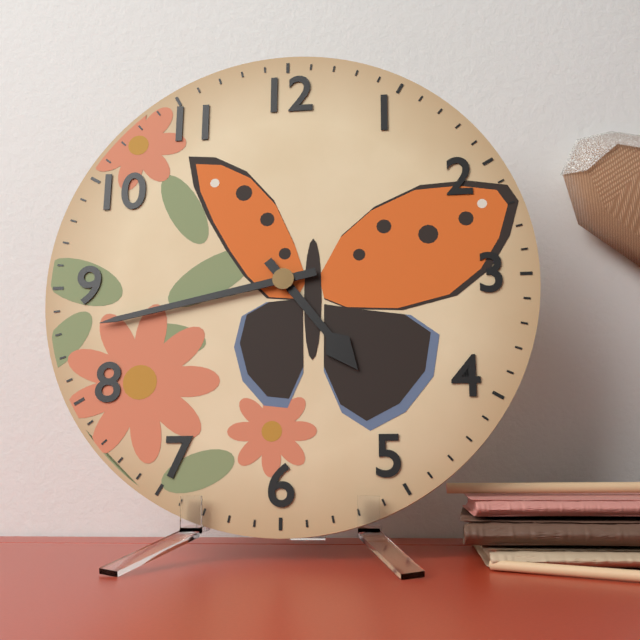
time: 4:43
